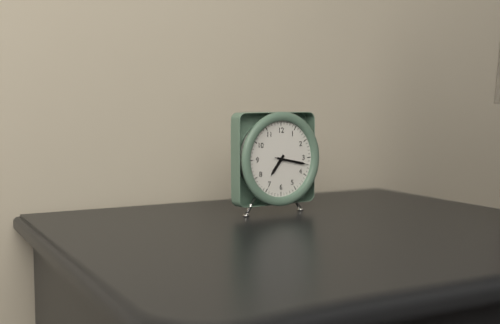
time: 7:17
